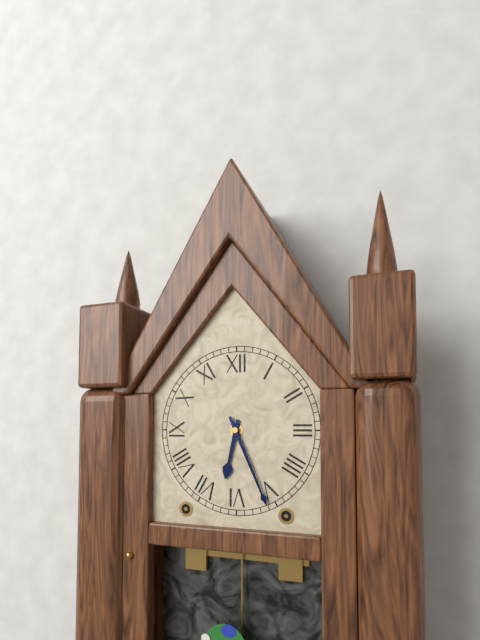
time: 6:26
